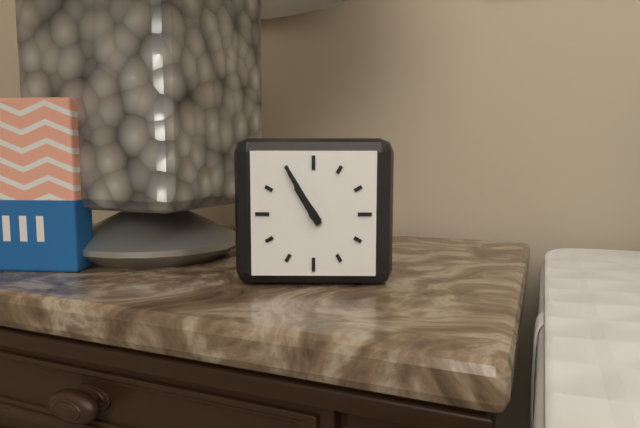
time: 10:55
